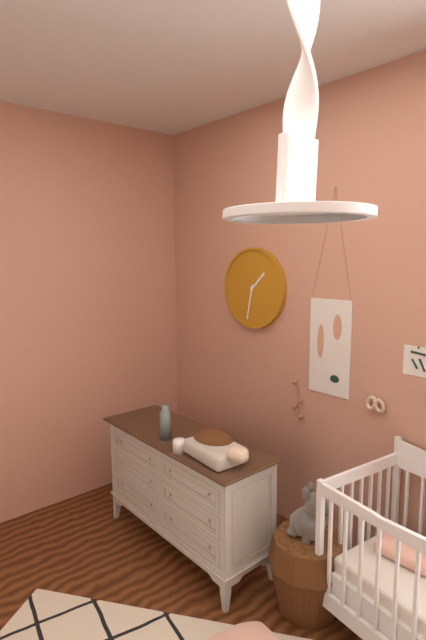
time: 1:32
